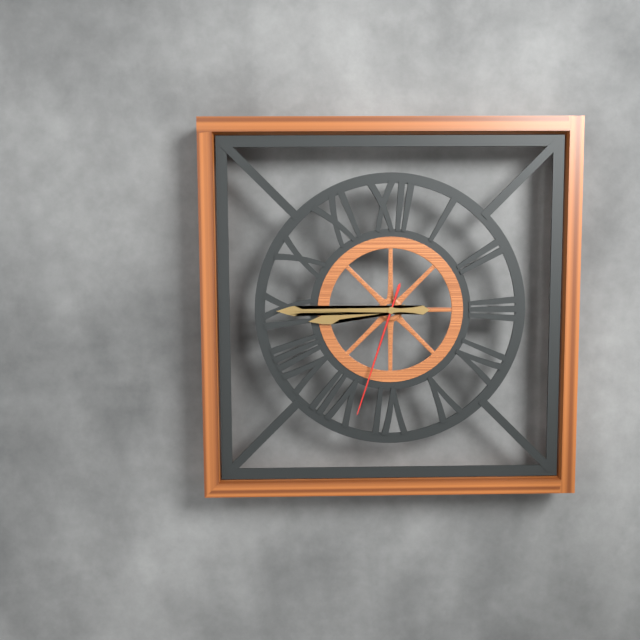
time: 8:45:33
